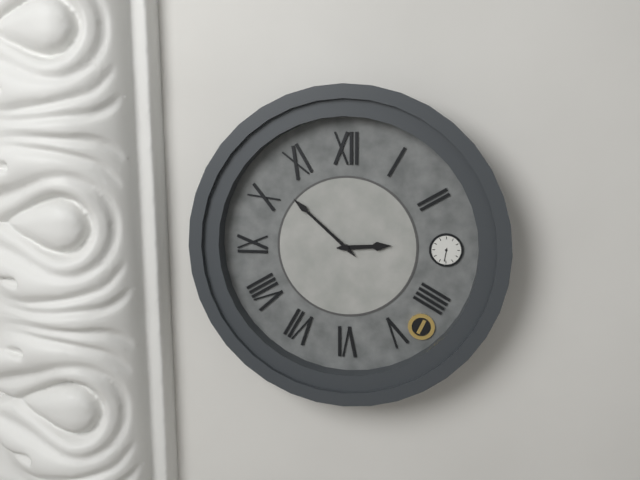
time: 2:52
